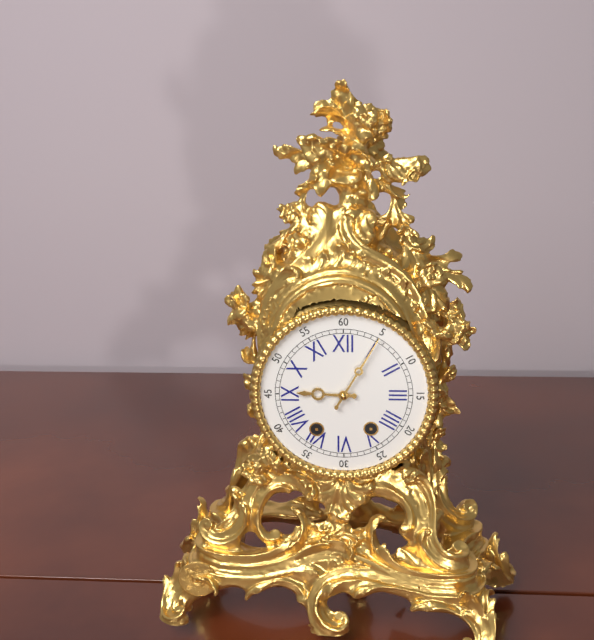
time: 9:05
